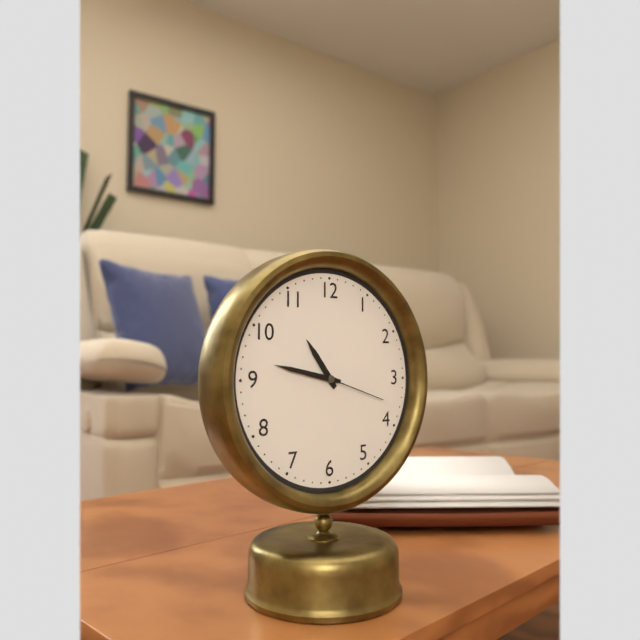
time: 10:47:18
